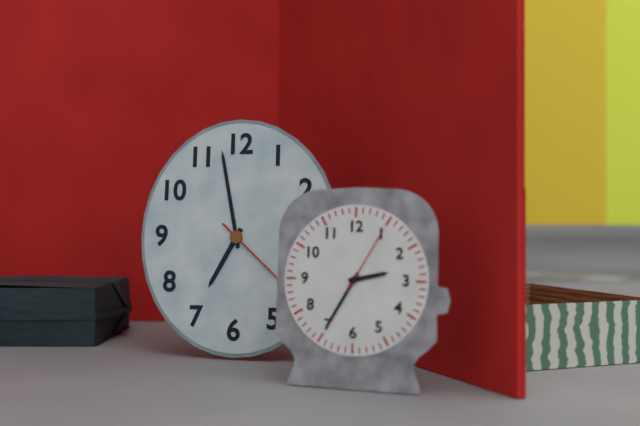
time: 6:58:22
